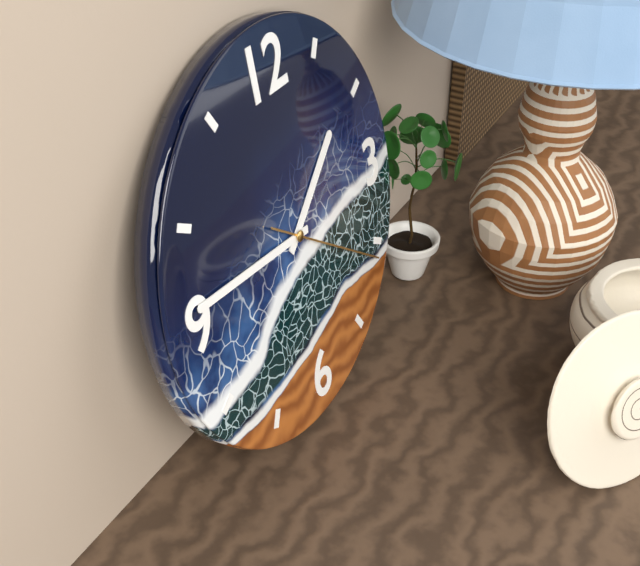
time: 1:46:21
